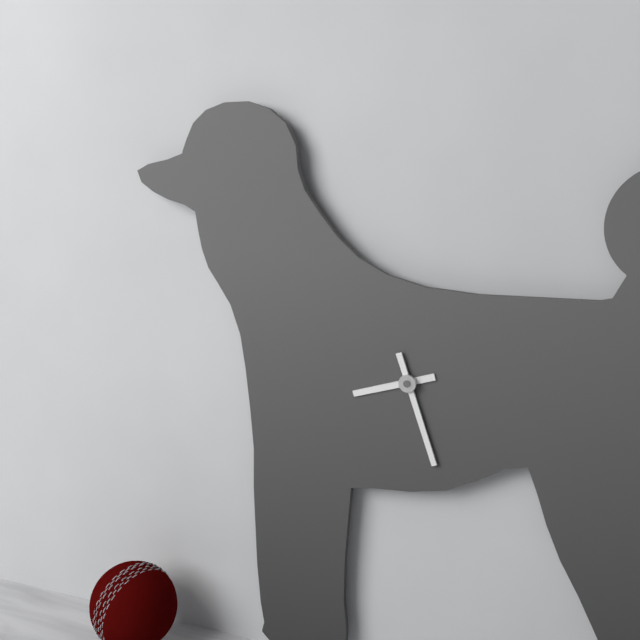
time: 8:27
